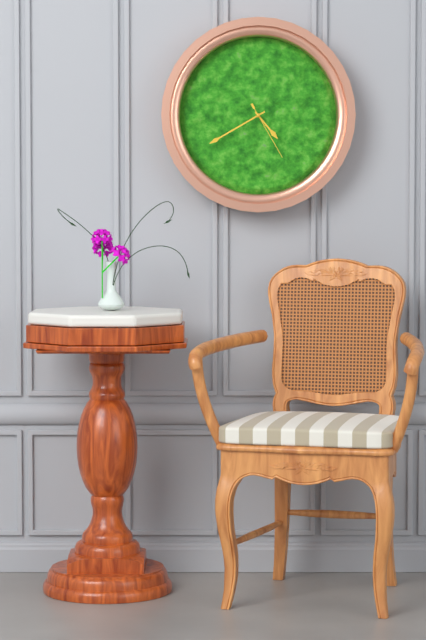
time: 4:40:25
